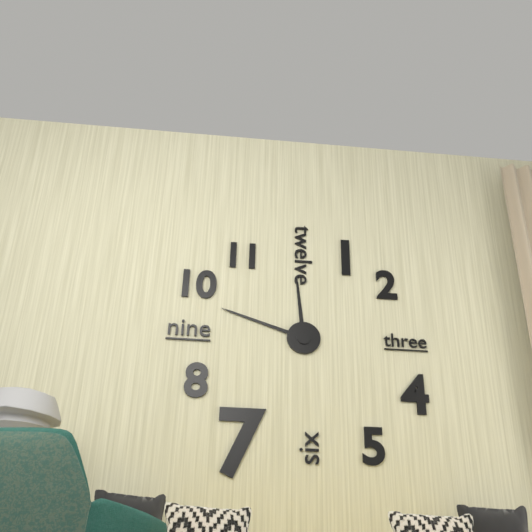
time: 11:48
